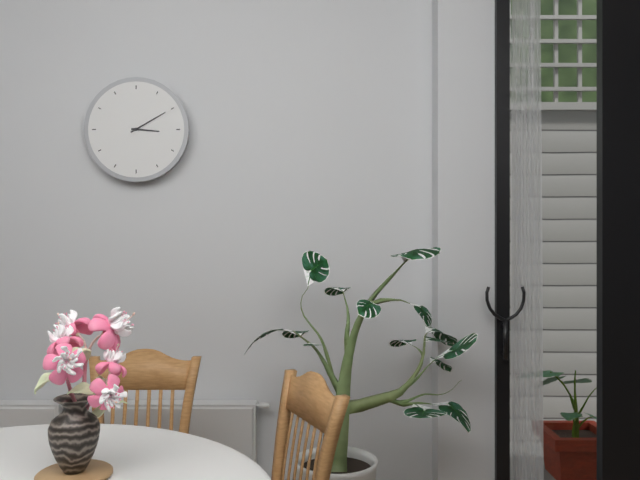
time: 3:10
